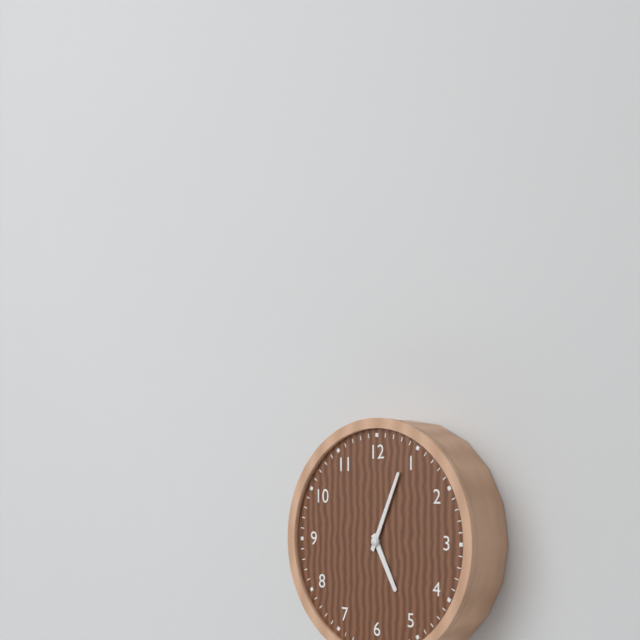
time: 5:04
